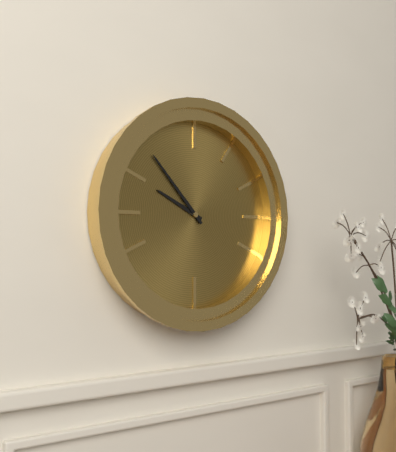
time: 9:53
